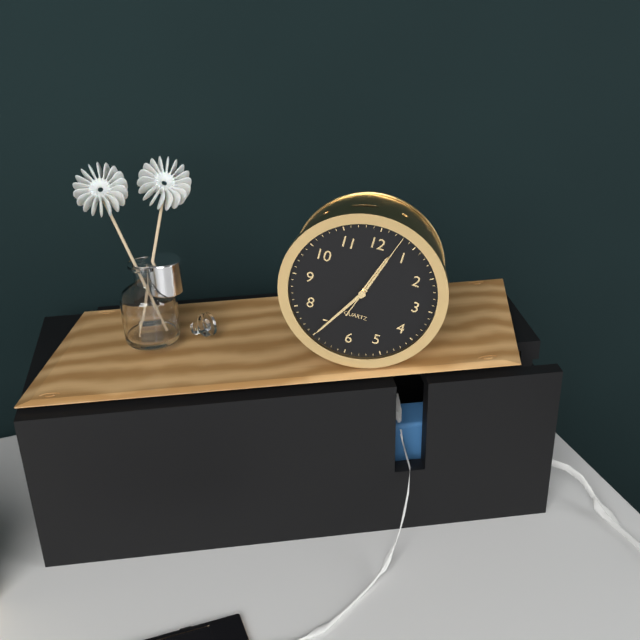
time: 12:35:03
